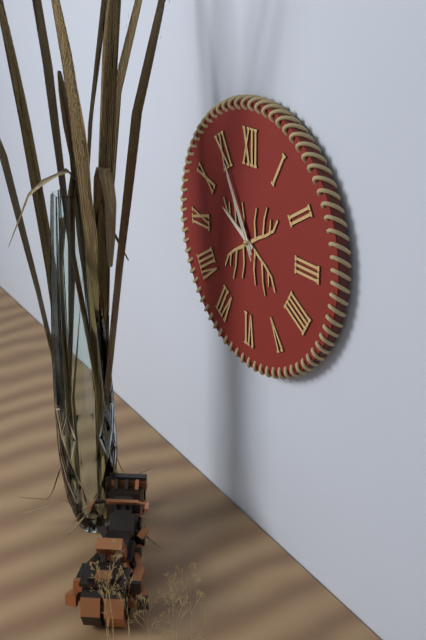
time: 9:55:55
